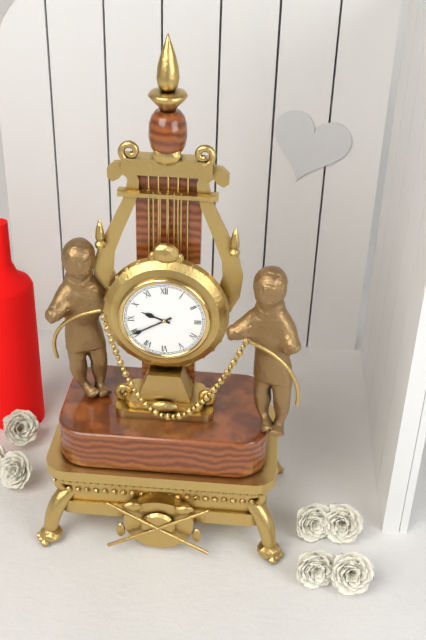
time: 9:40
